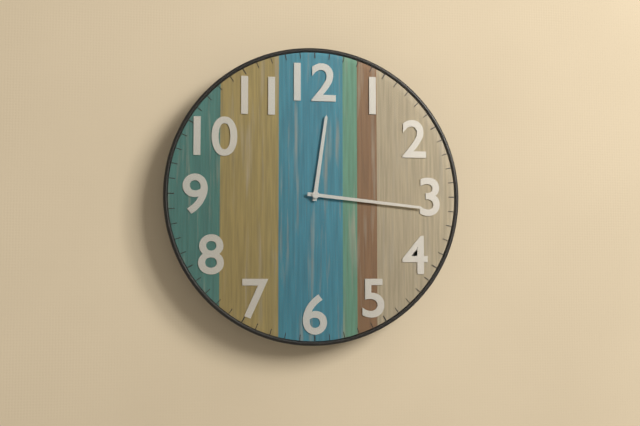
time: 12:16
